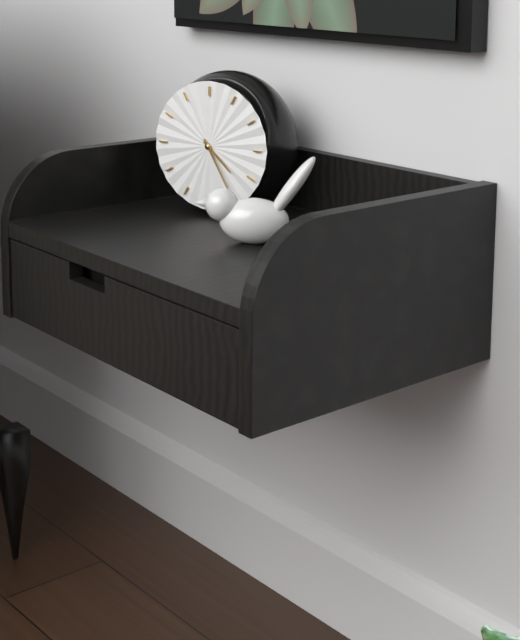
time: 4:25
